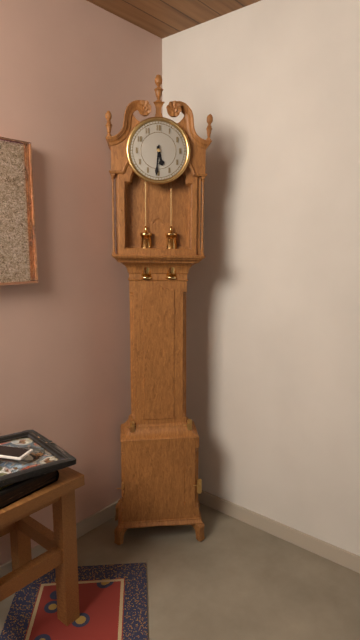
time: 5:31
